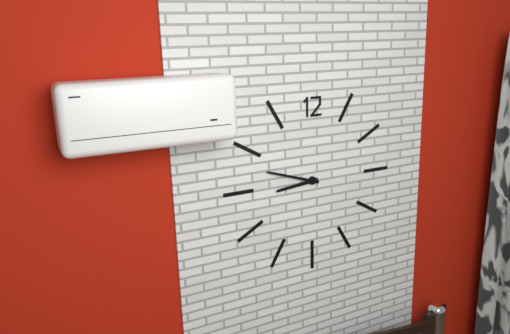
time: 8:48
